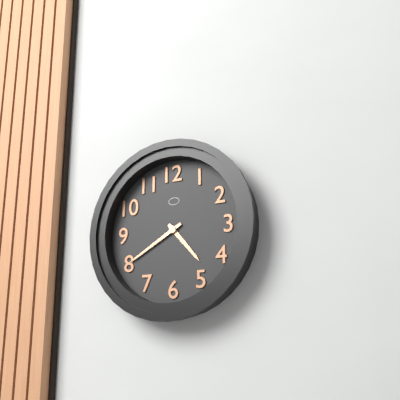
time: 4:40
